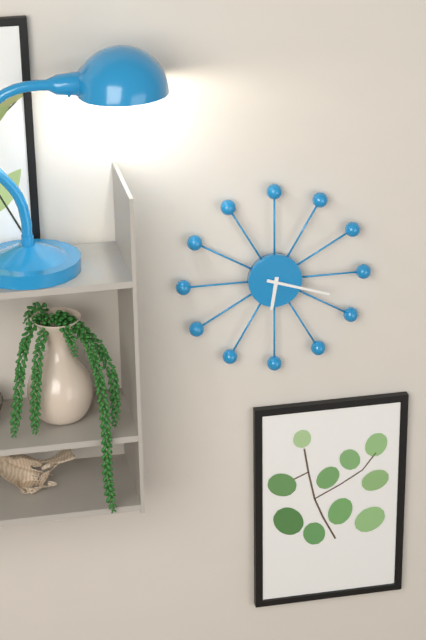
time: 6:18
